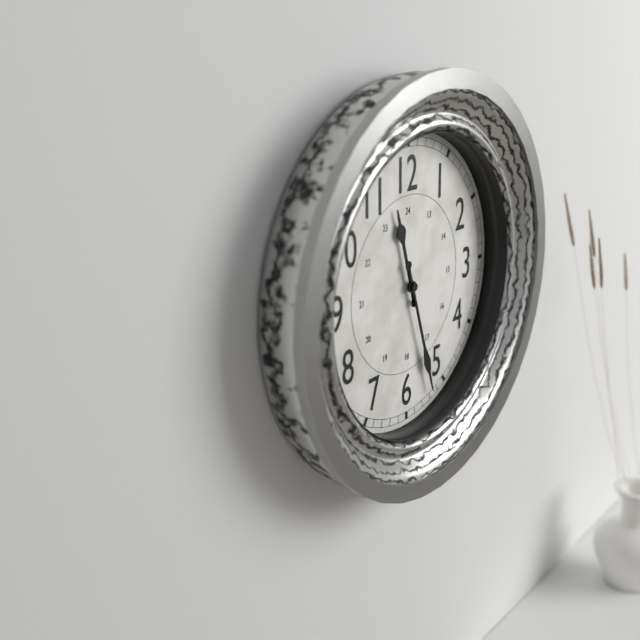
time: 11:27
